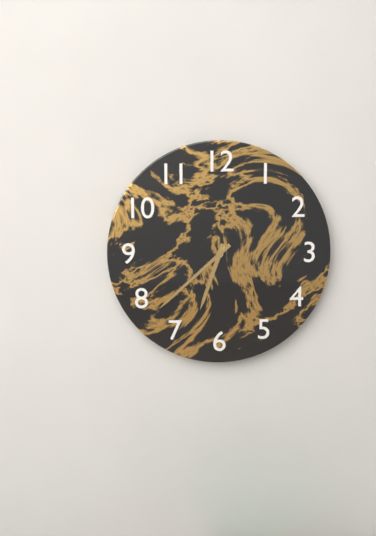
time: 6:38
